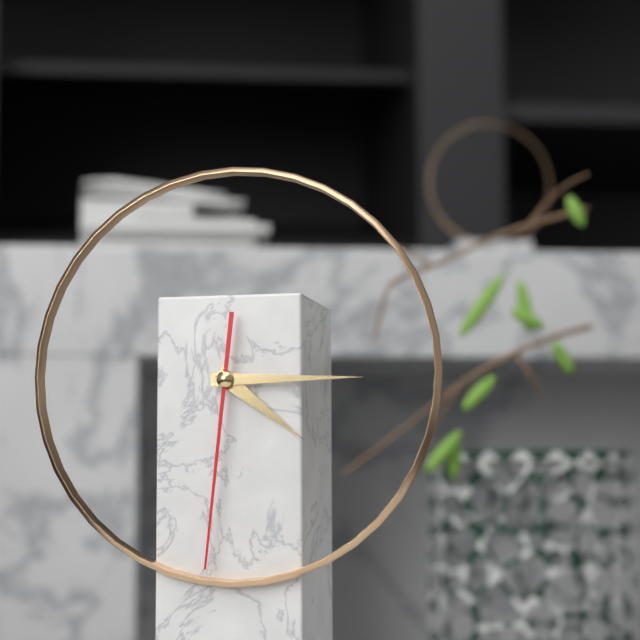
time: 4:15:31
